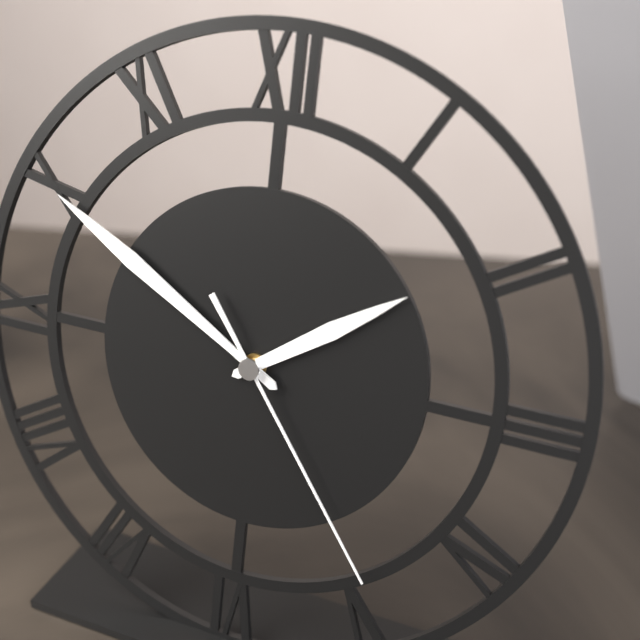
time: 1:50:24
